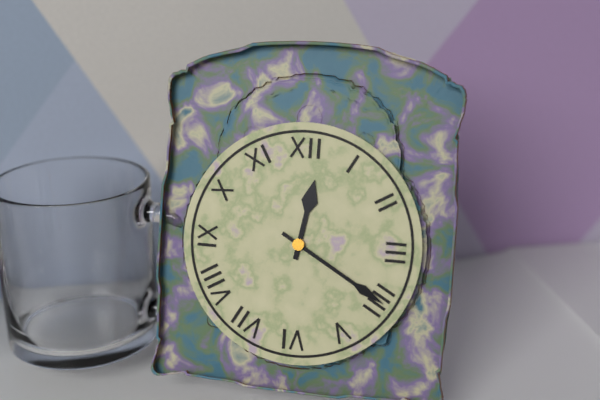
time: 12:20
